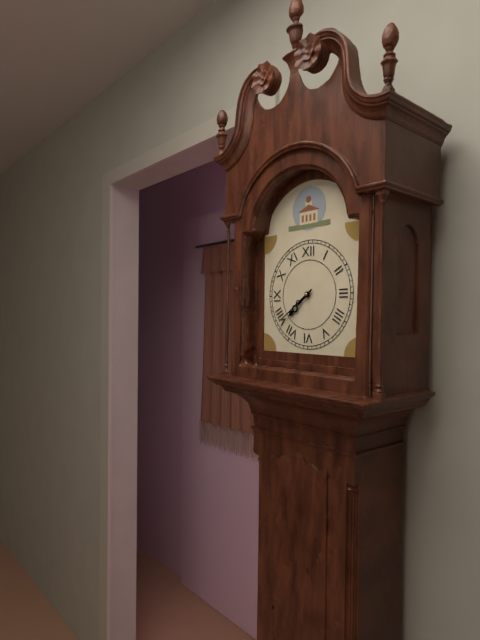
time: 7:39
